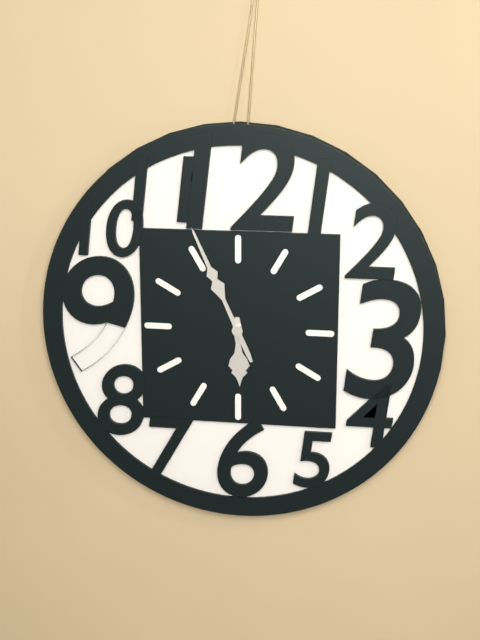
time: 5:56
